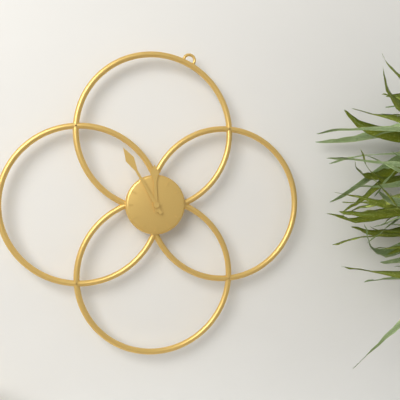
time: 11:55
